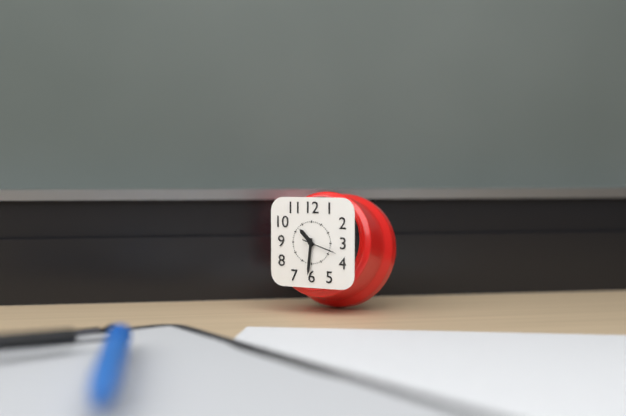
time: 10:31
